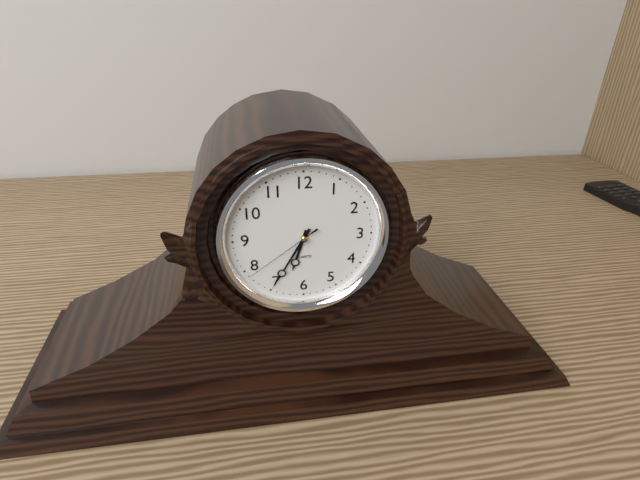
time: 6:35:39
